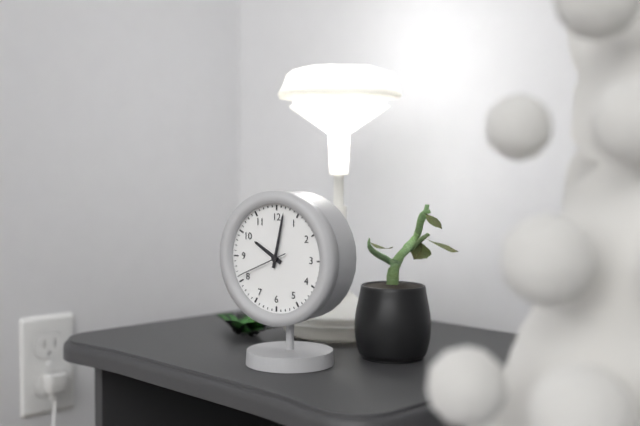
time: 10:02:41
